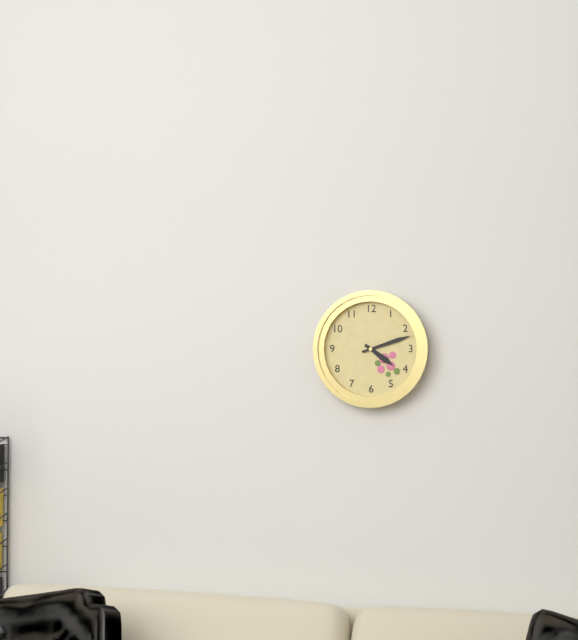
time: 4:12
